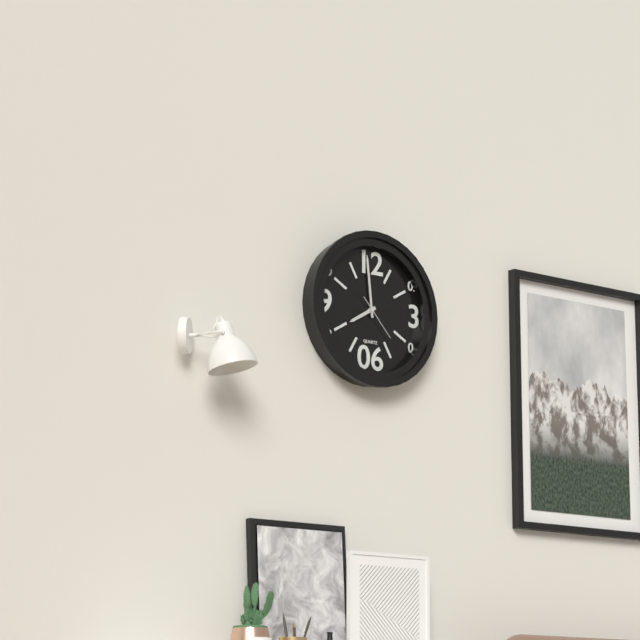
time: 7:59
